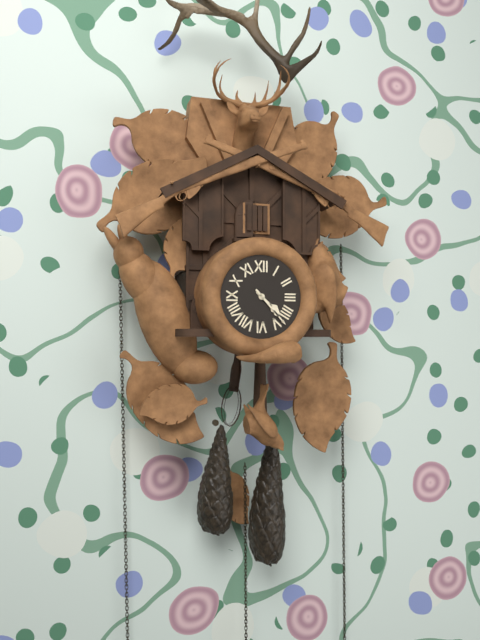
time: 4:23
